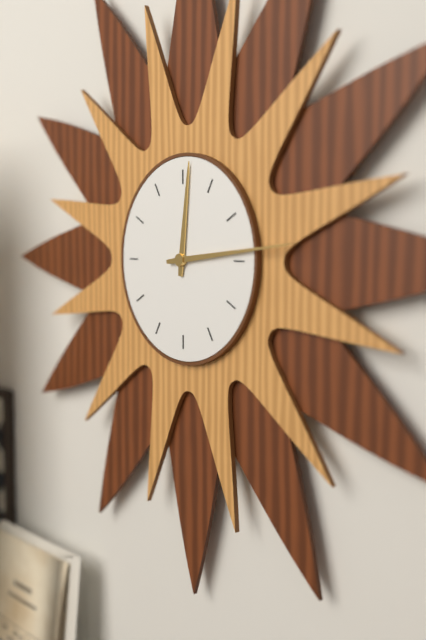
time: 12:14
